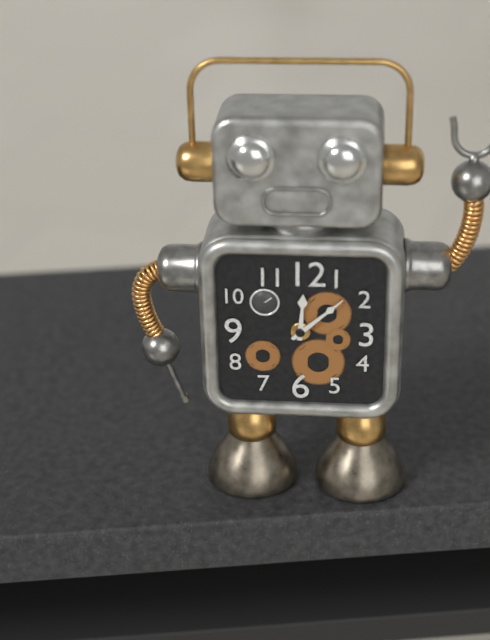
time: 12:08
